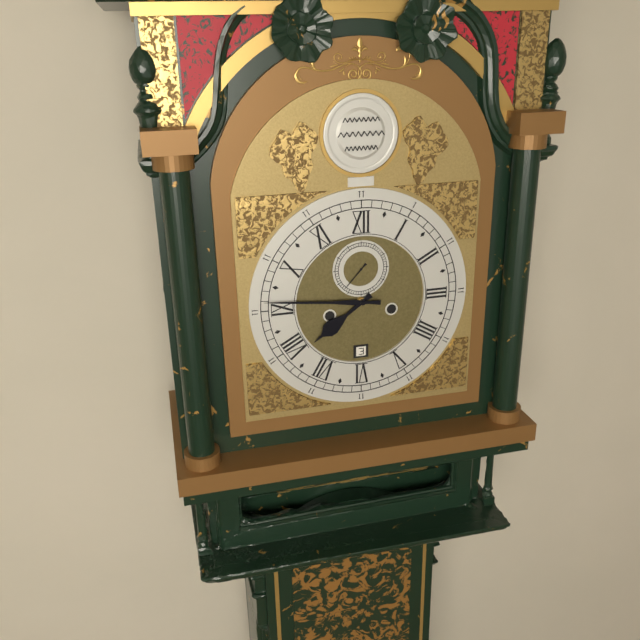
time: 7:46
